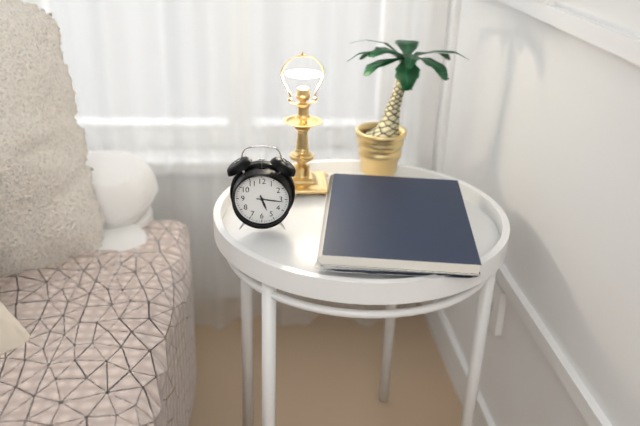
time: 5:16
